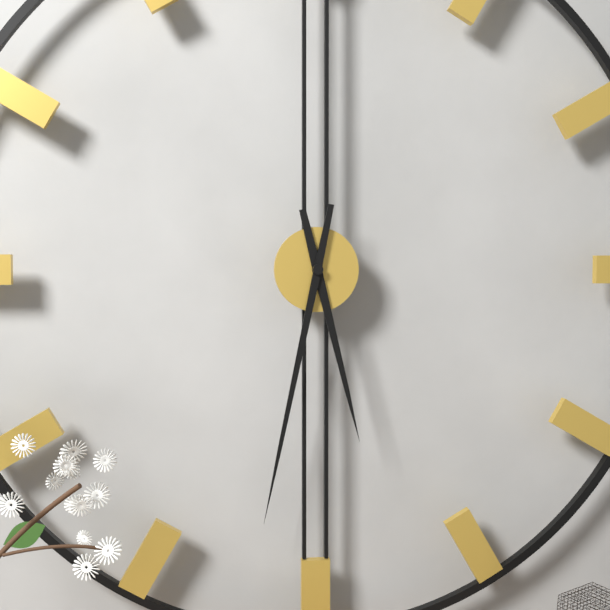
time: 5:32
